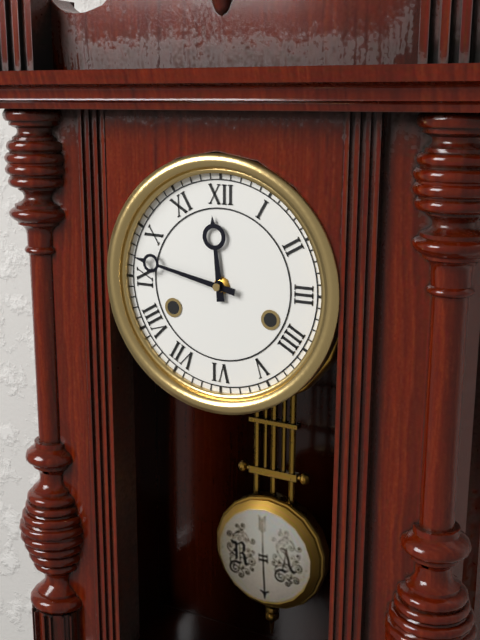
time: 11:47
